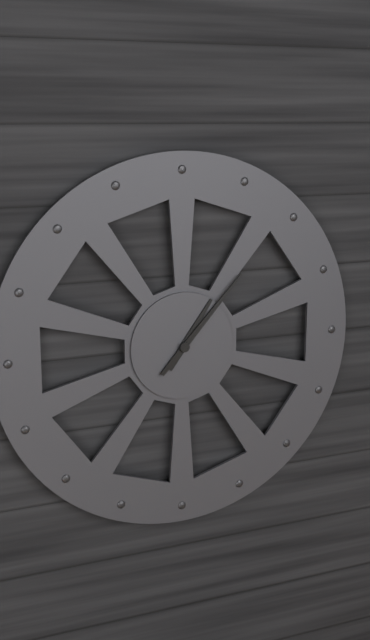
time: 1:07
